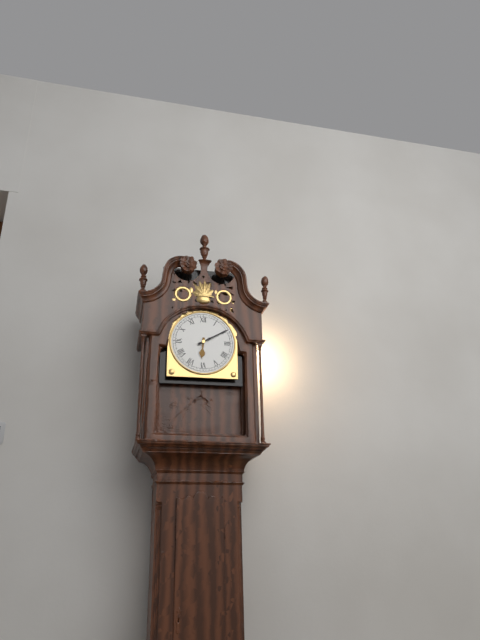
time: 6:10
